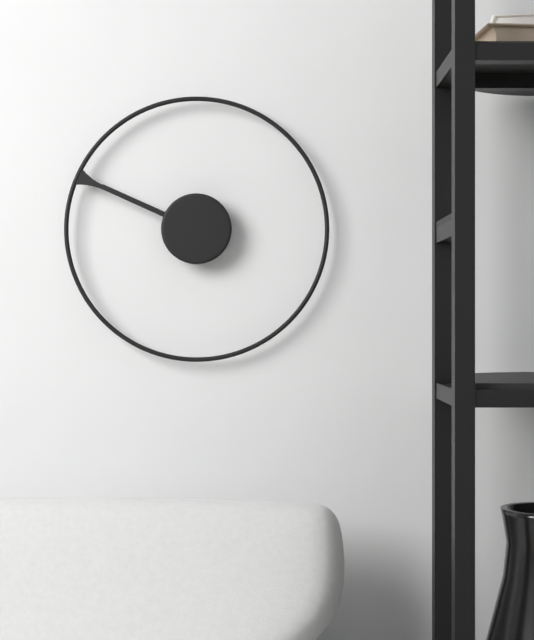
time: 9:49
